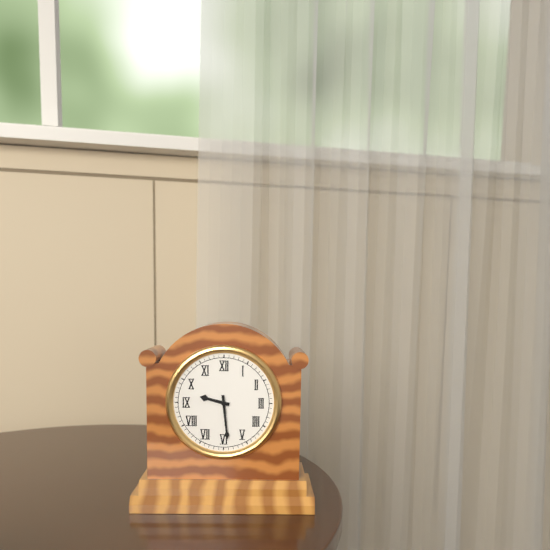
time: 9:29
